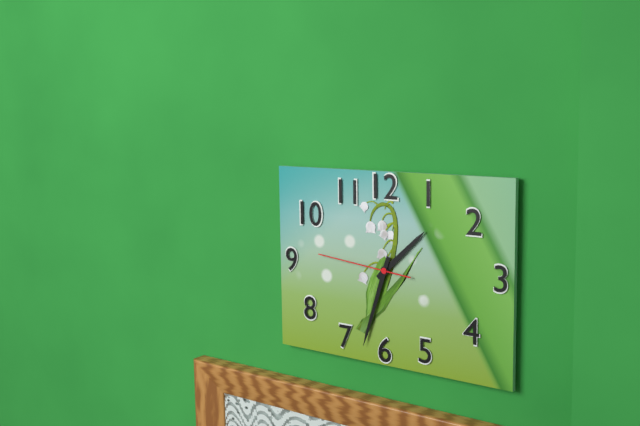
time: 1:33:46
